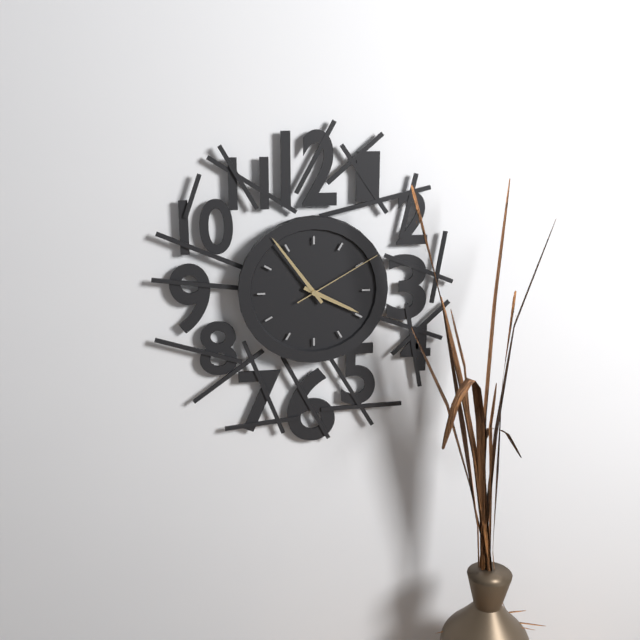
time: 3:54:10
